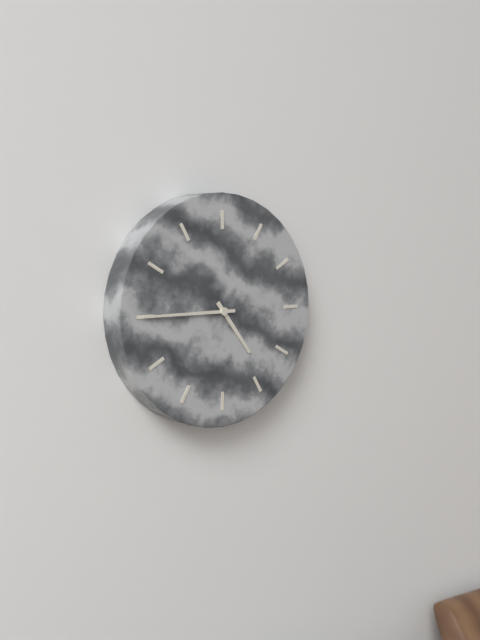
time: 4:45
